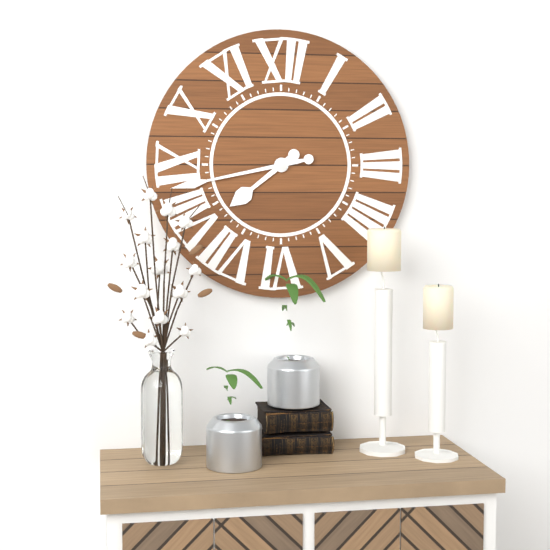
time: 7:43
